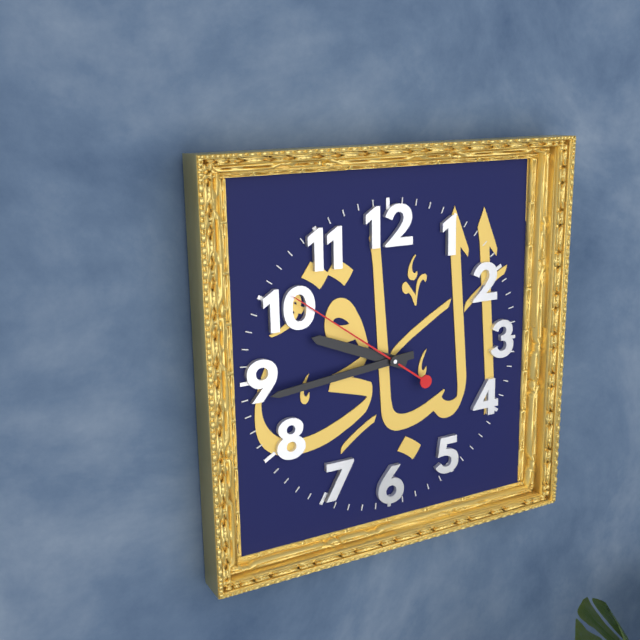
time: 9:44:51
